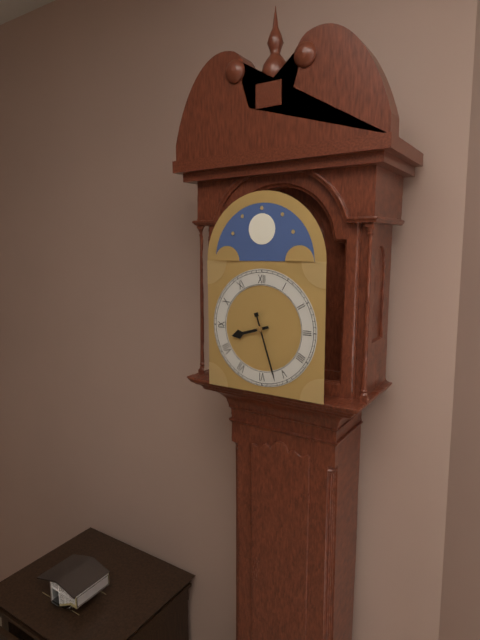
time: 8:27
